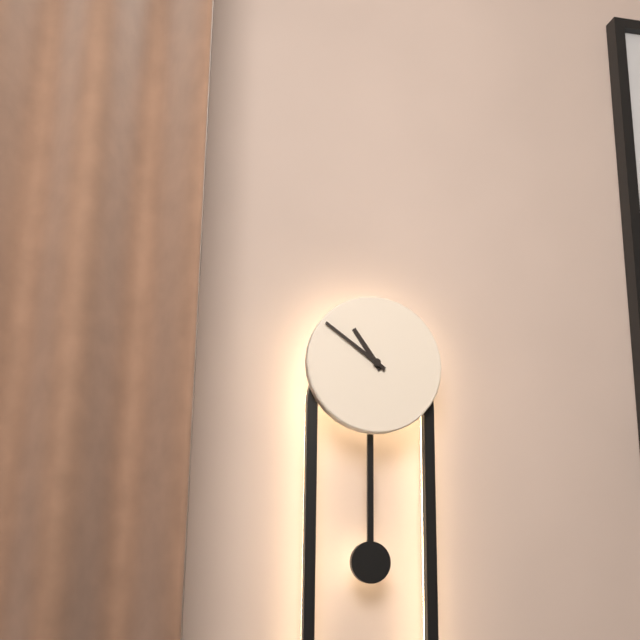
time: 10:51
